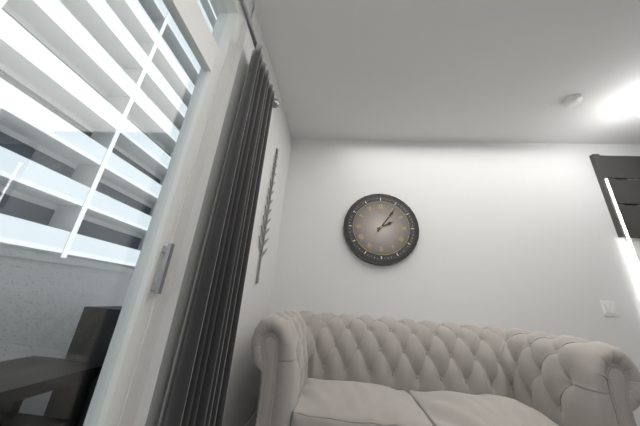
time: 2:06
